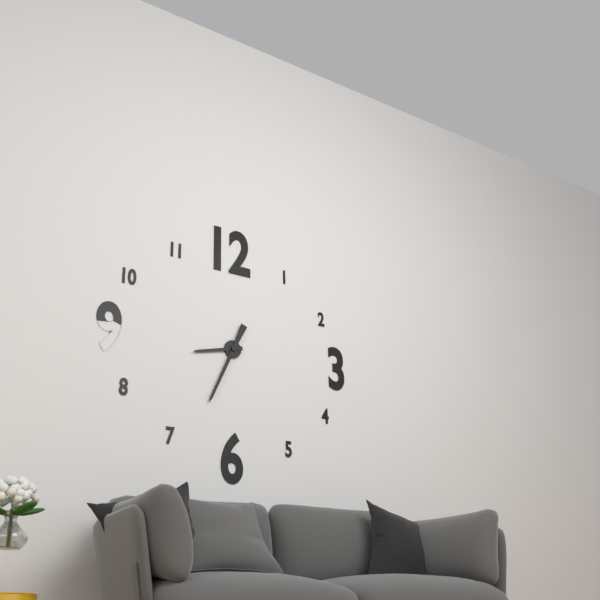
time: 8:34
